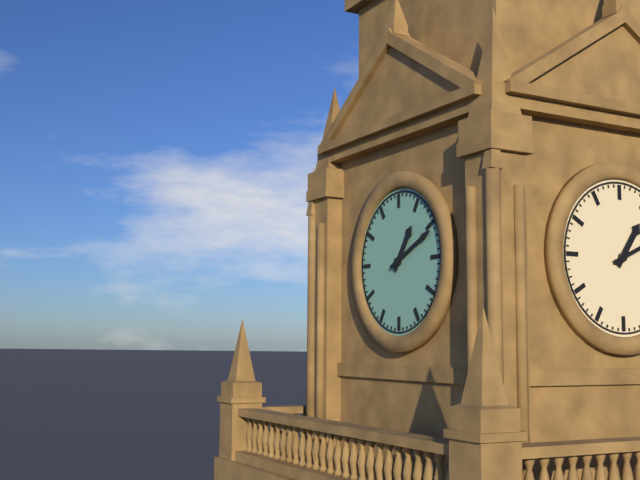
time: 1:11
